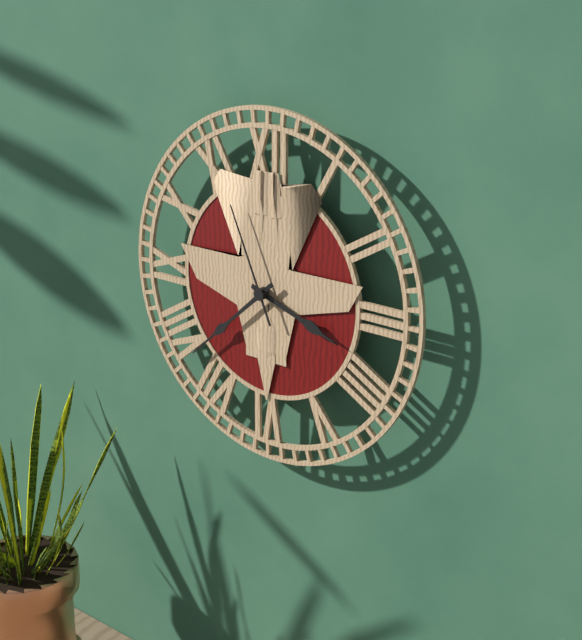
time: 3:38:56
